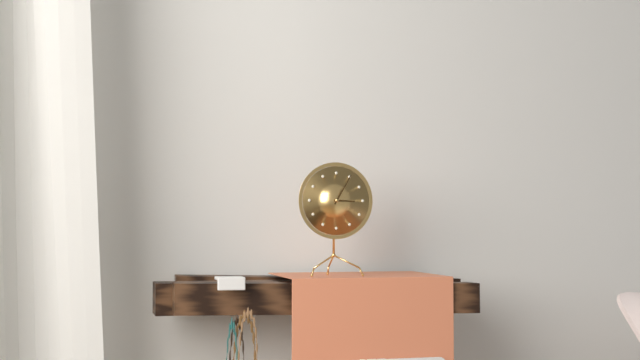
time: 3:05
